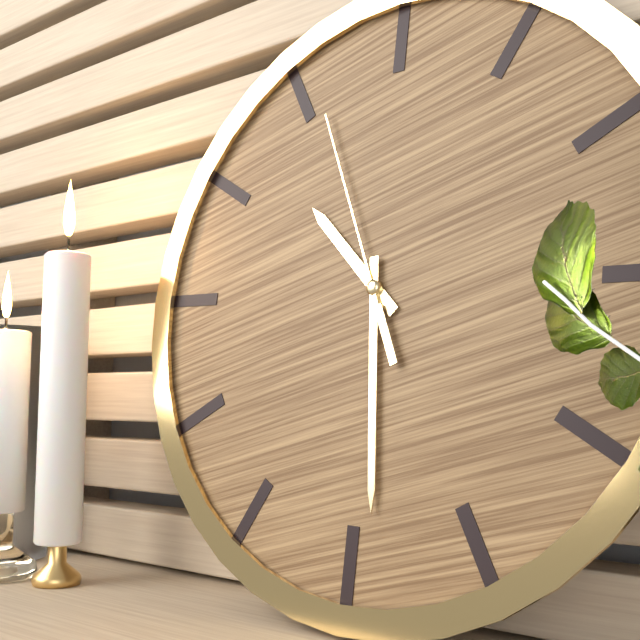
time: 10:29:56
